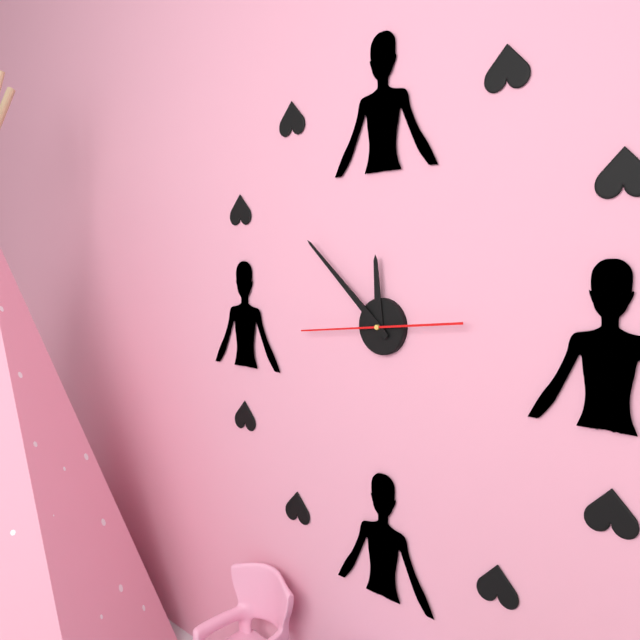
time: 11:52:44
